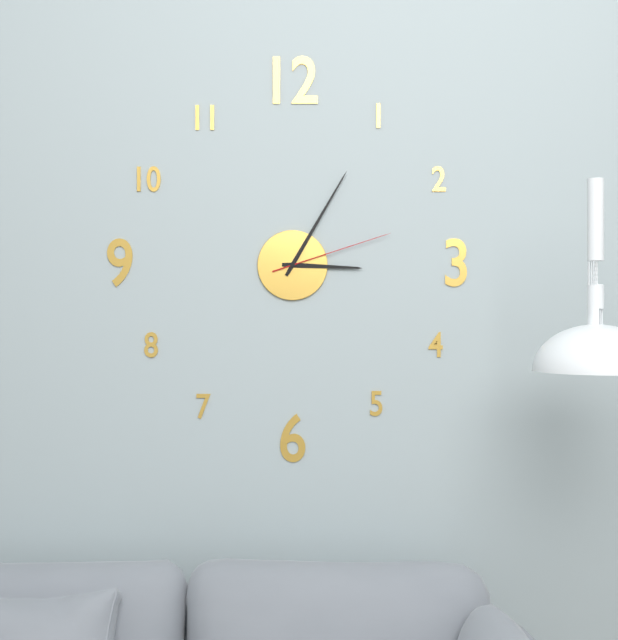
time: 3:05:12
